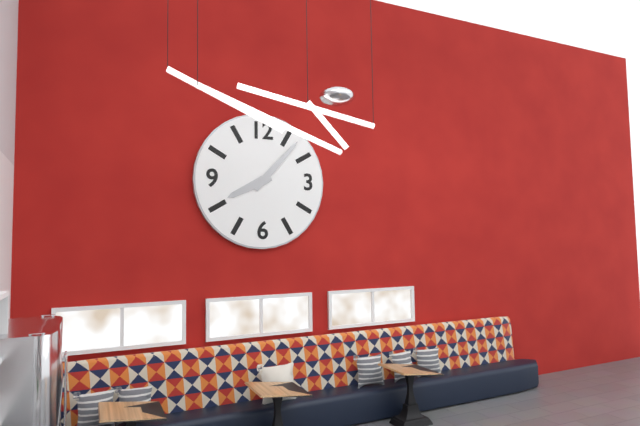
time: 8:07
